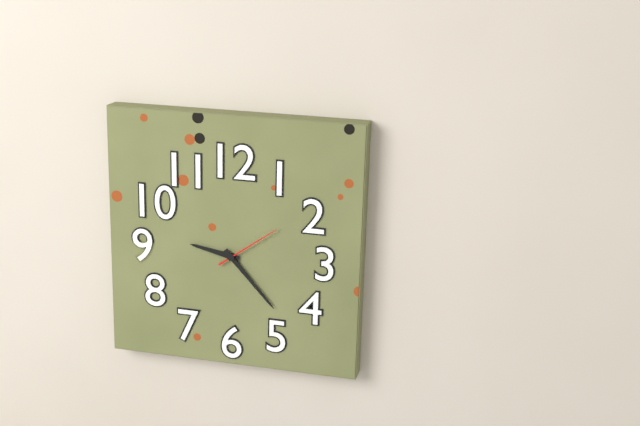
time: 9:23:09
